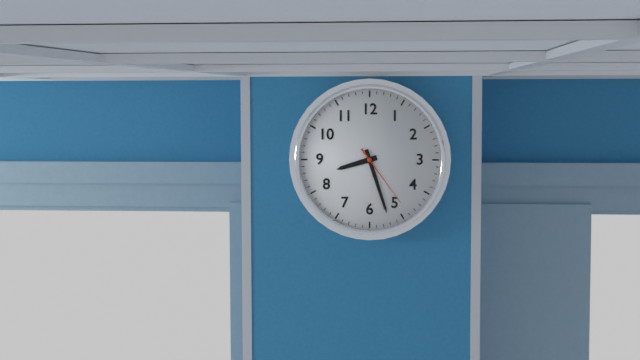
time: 8:27:24
